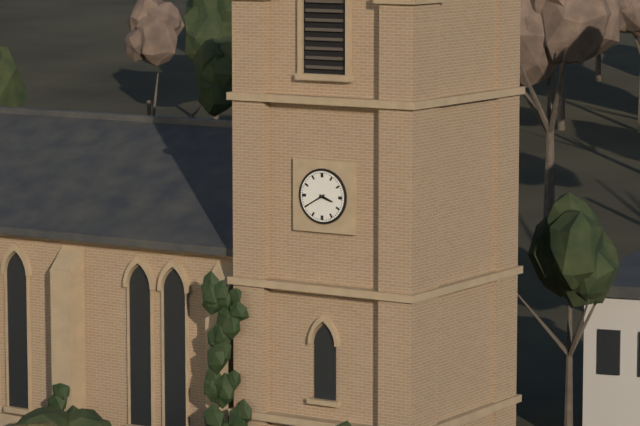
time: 3:40
